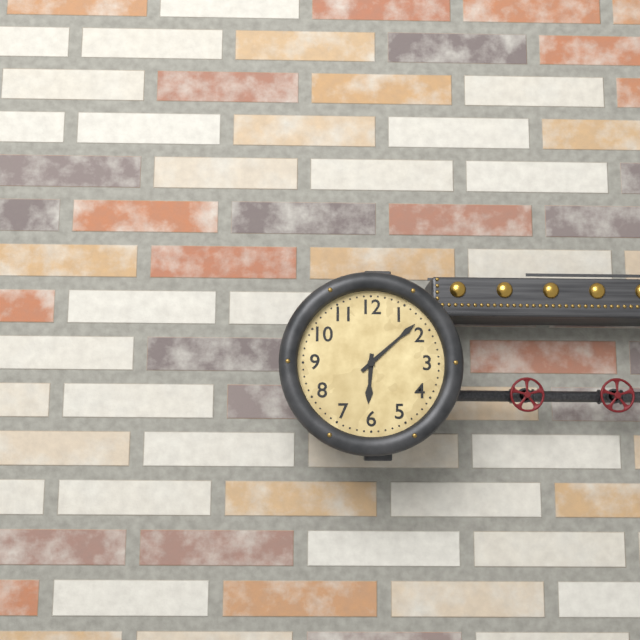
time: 6:08
